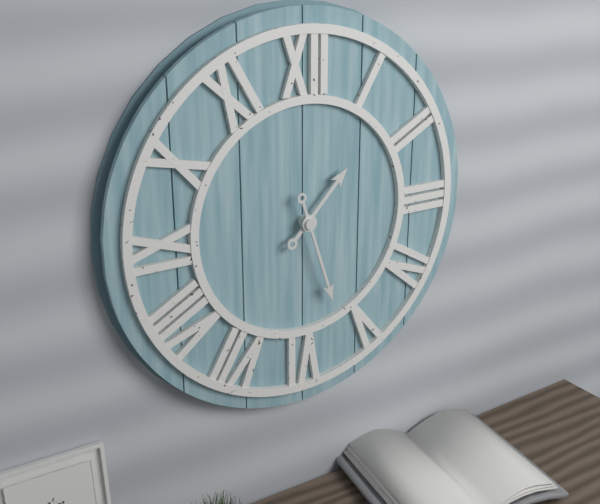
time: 1:27
